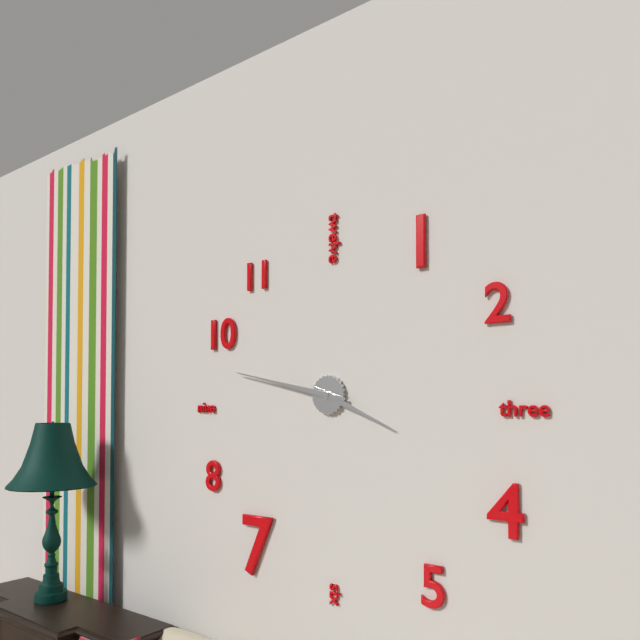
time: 3:47
